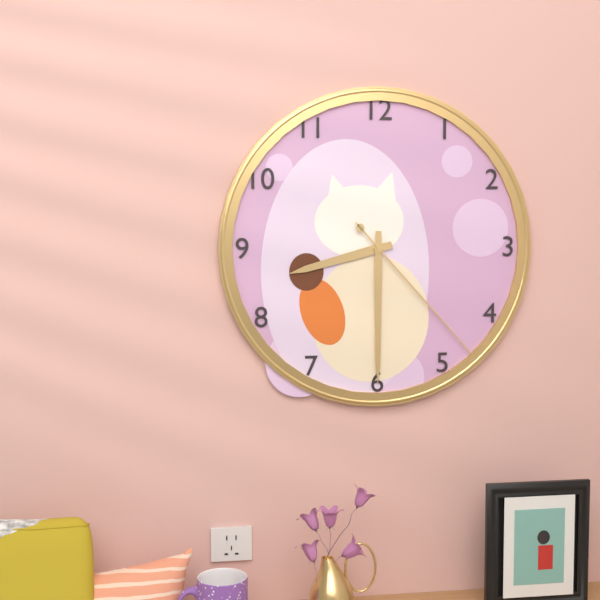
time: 8:30:23
